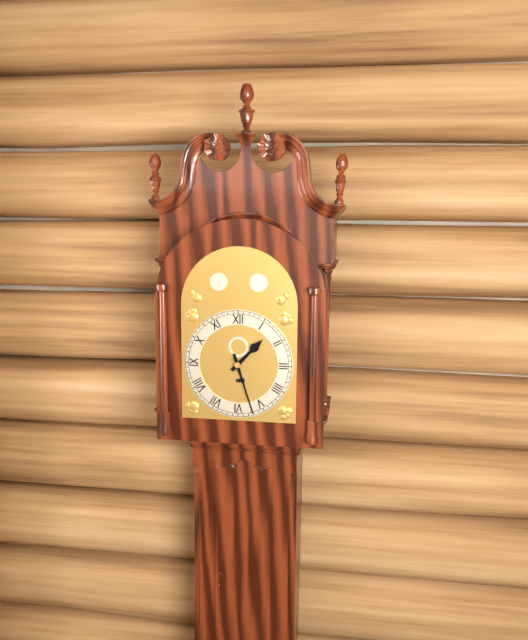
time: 1:27
